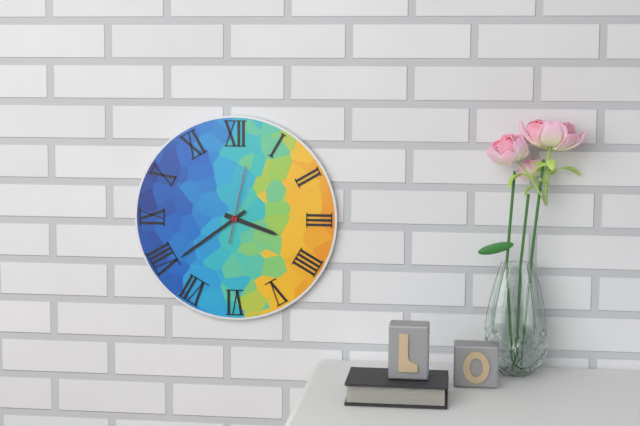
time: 3:39:02
